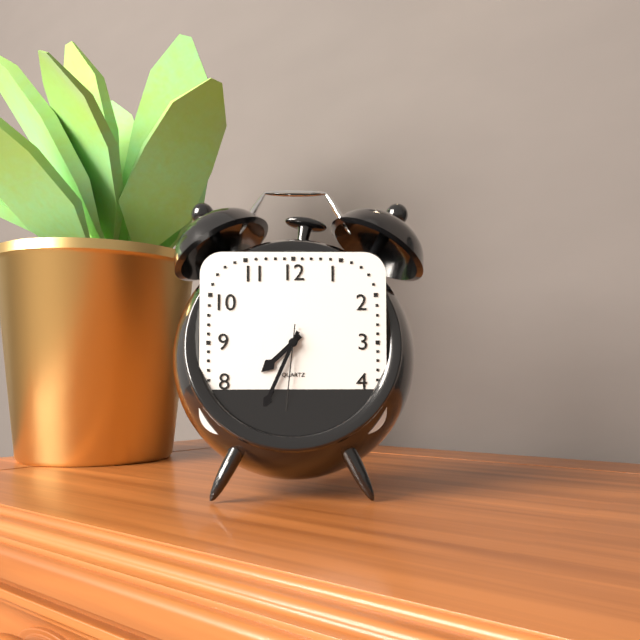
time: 7:34:31
